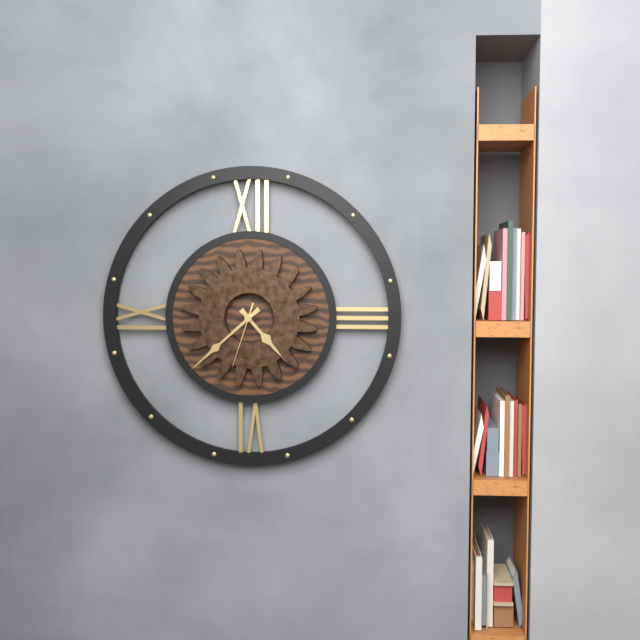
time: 4:38:33
